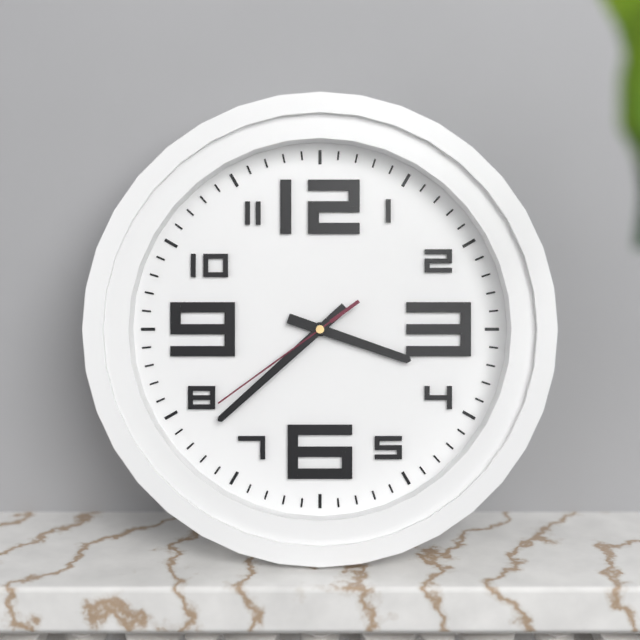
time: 3:38:39
